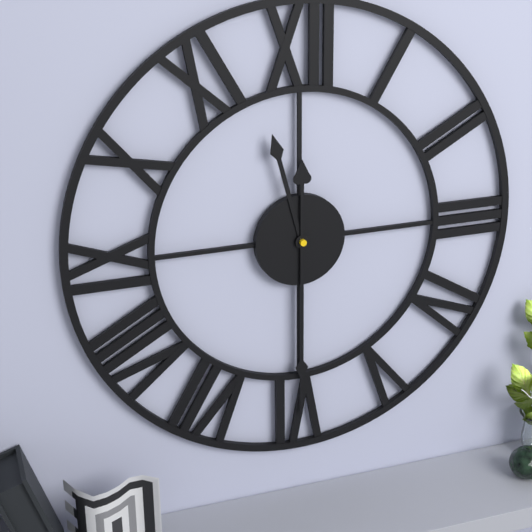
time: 11:30
